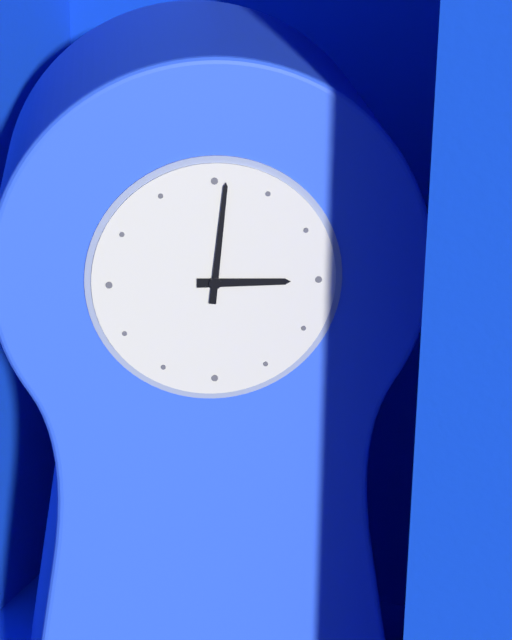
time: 3:01
